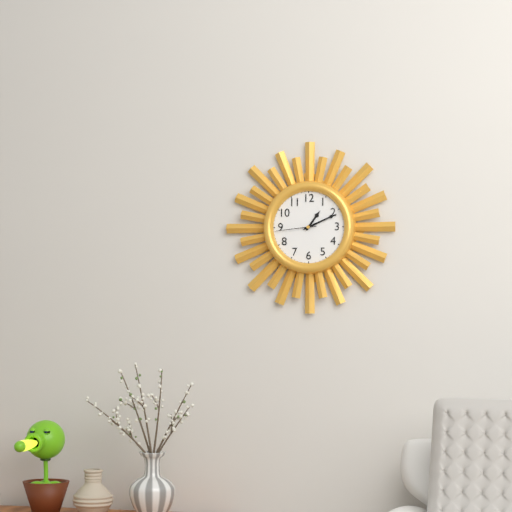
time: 1:11
